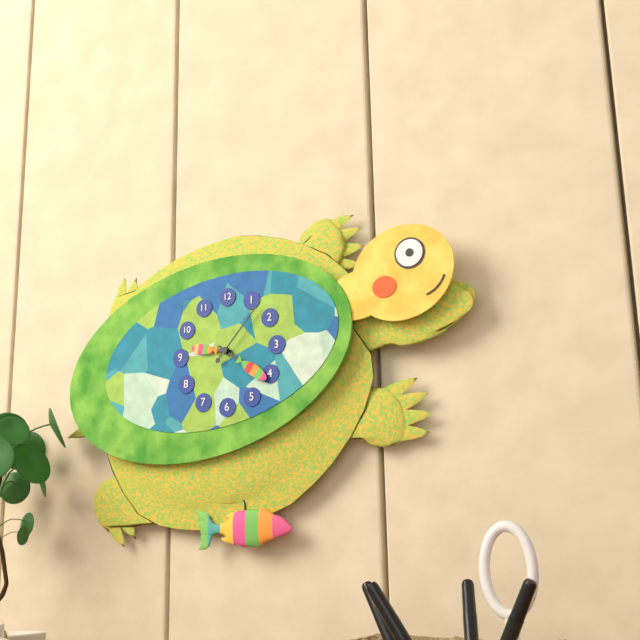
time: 9:21:07
